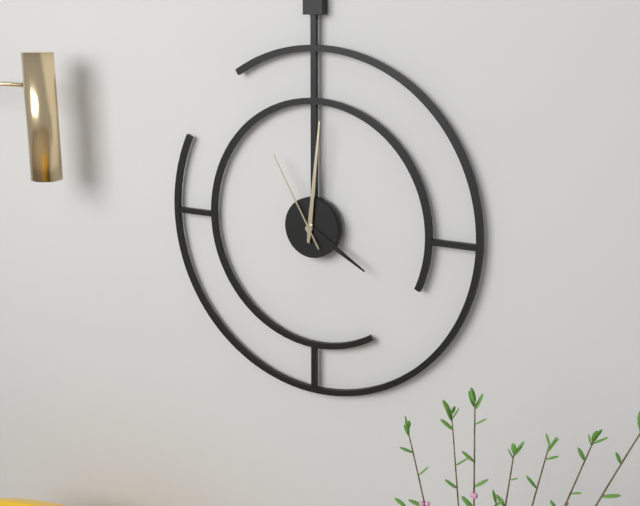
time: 4:01:55
